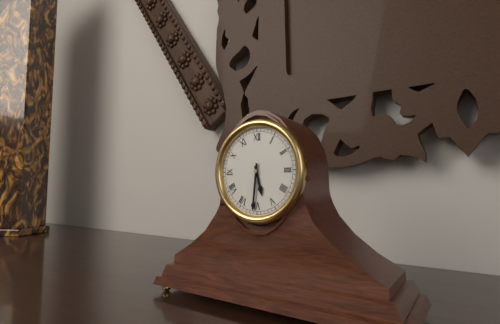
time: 5:31
